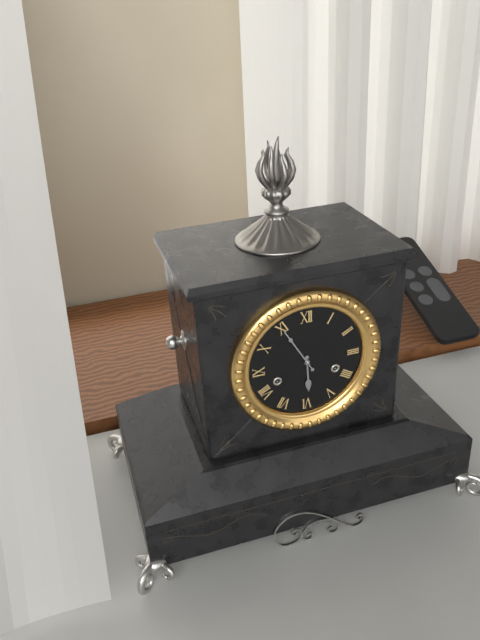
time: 5:55
